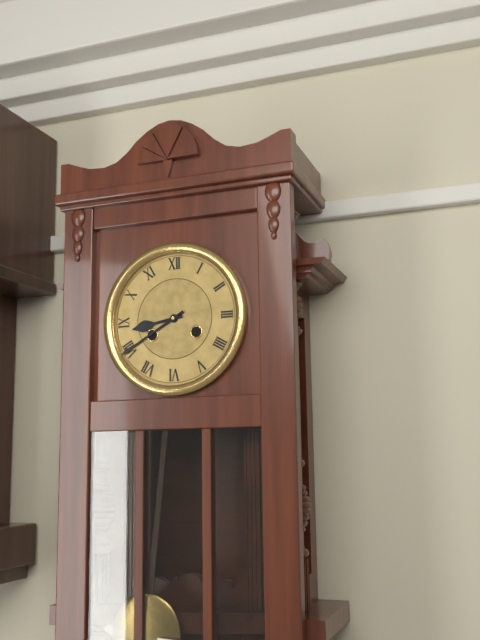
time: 8:40
